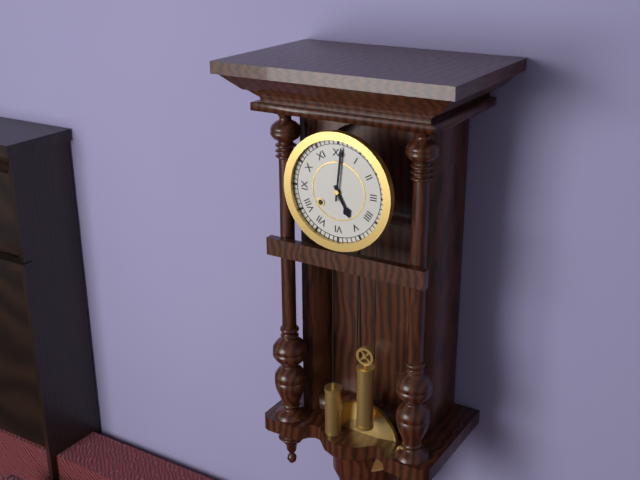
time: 5:01
